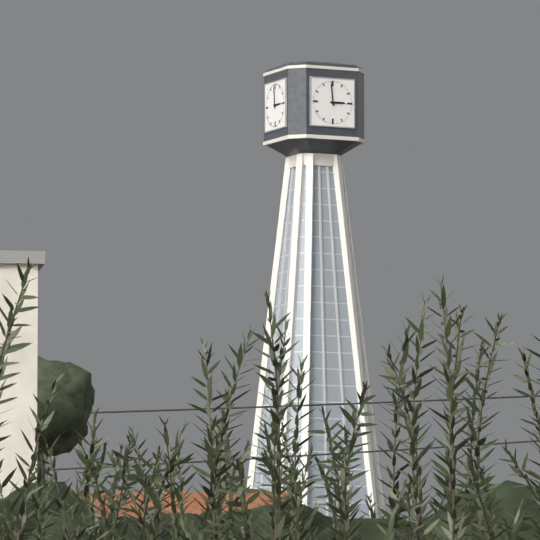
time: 2:59
